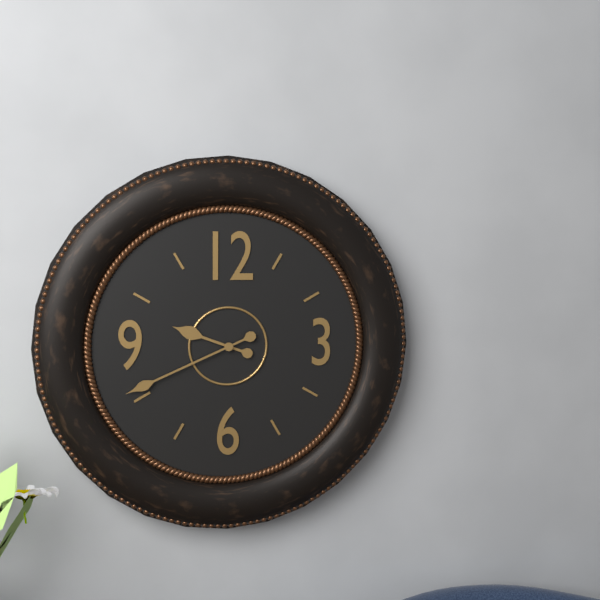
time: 9:41
